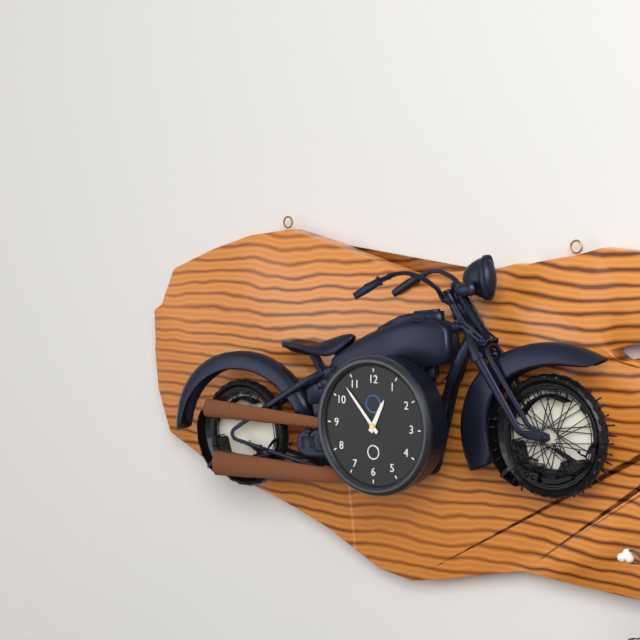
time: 12:53
